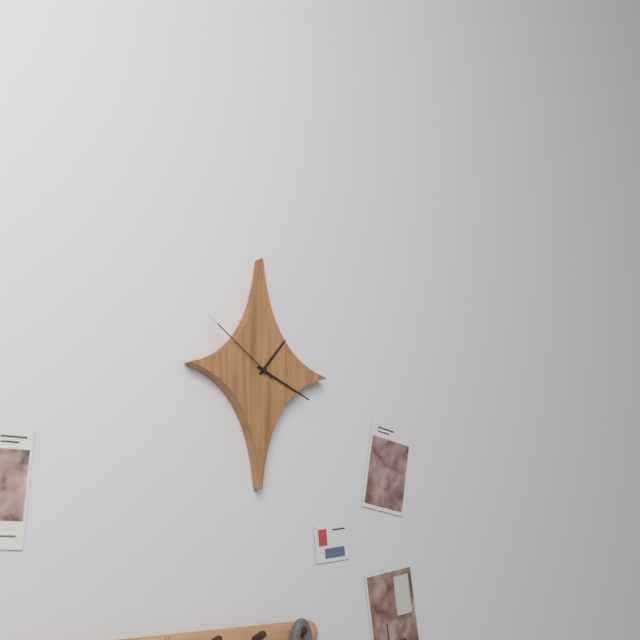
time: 1:19:51
